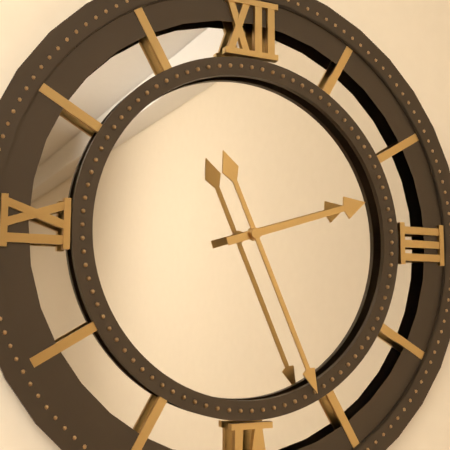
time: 2:26
